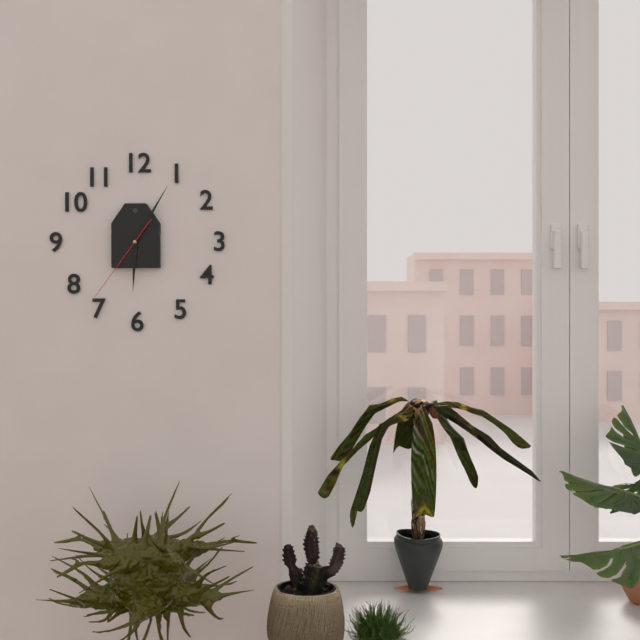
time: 6:05:36
